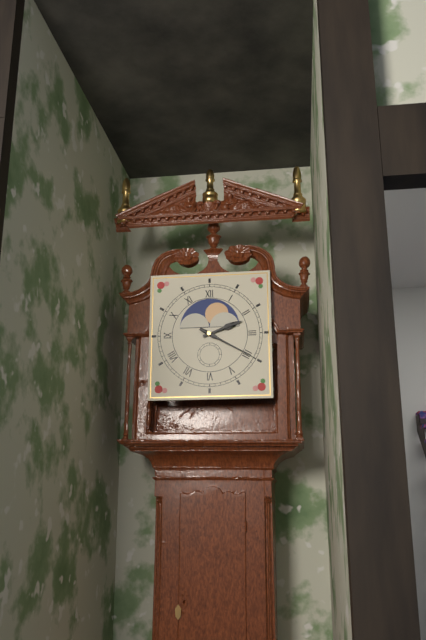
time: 2:20
